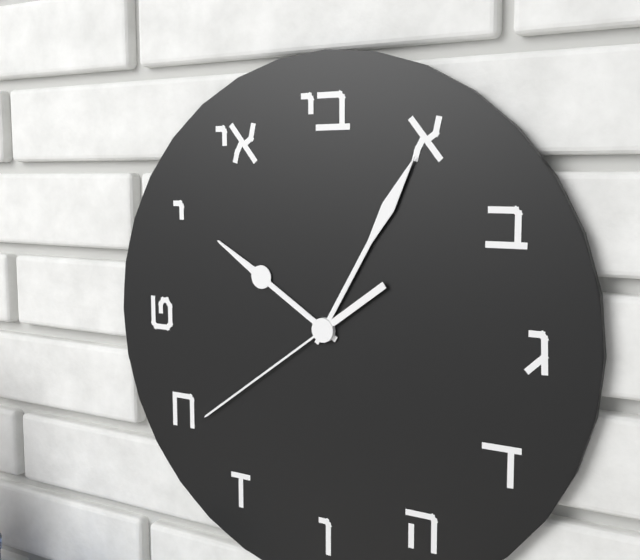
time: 10:05:39
